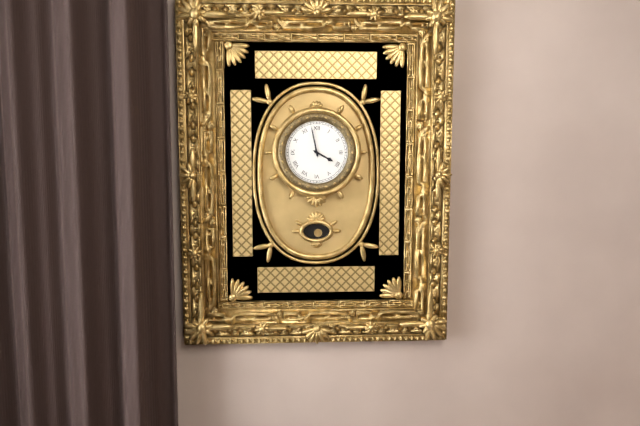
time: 3:58
